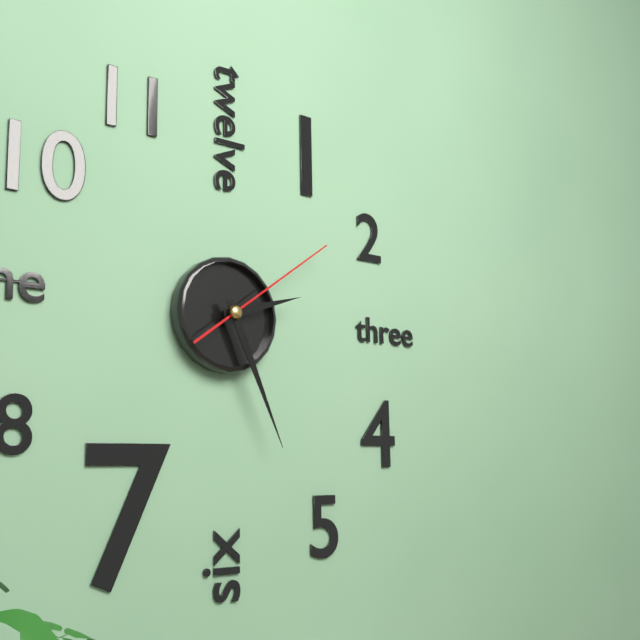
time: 2:26:09
